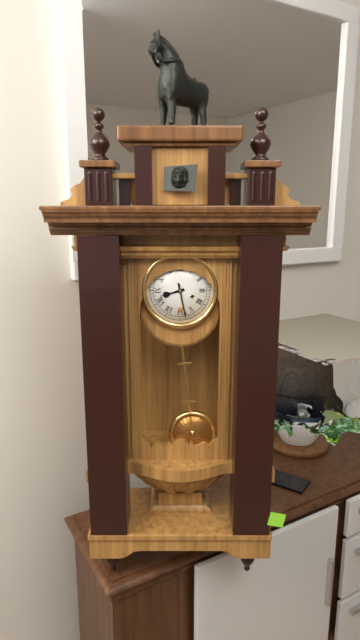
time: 8:28
